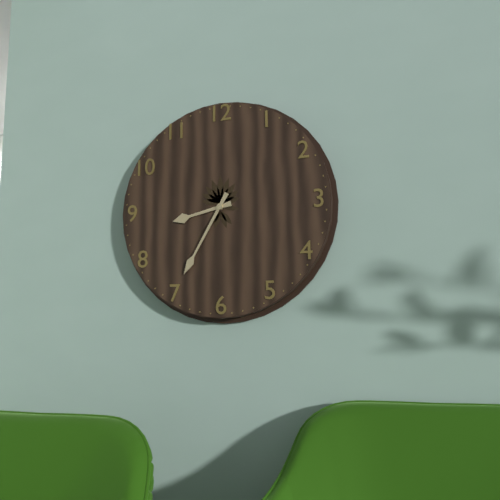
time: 8:35
